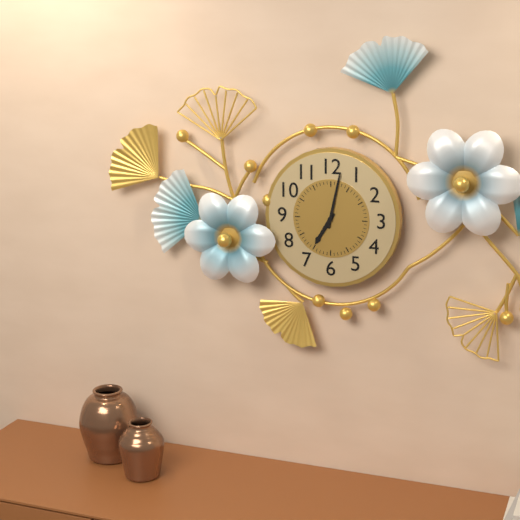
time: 7:02
